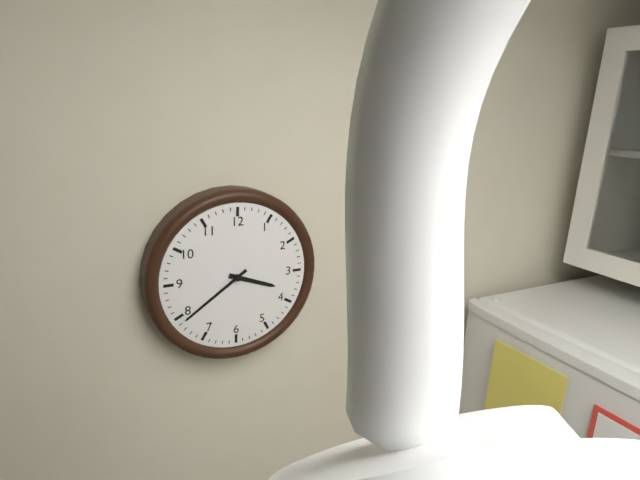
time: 3:39
